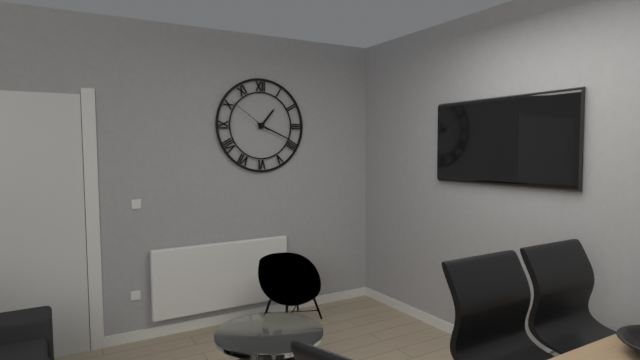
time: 1:19:51
